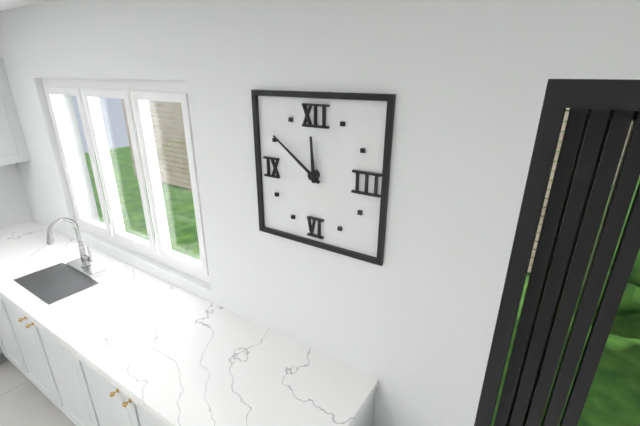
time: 11:51
